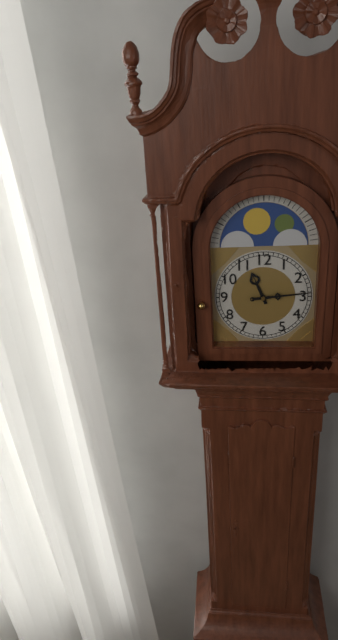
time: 11:14
